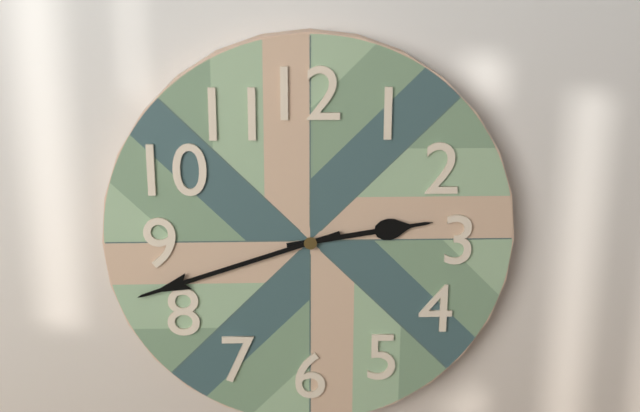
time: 2:42
